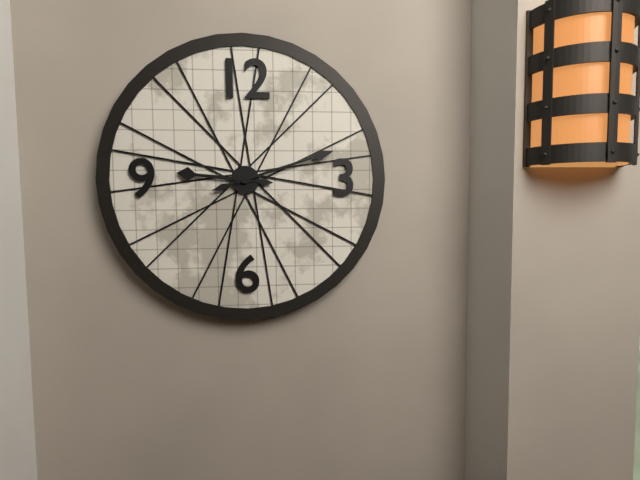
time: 9:12
